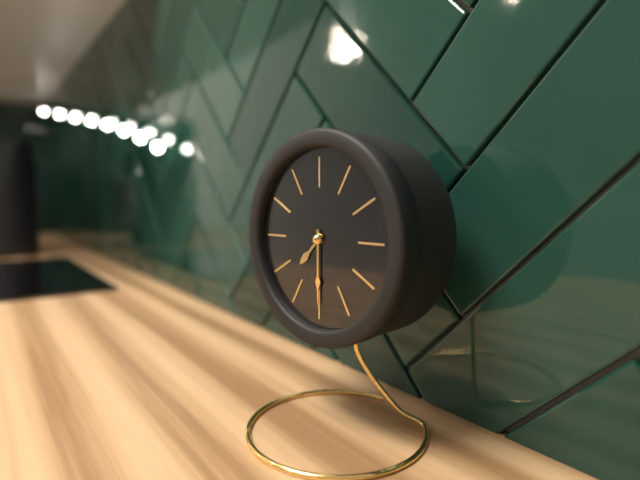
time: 7:30
